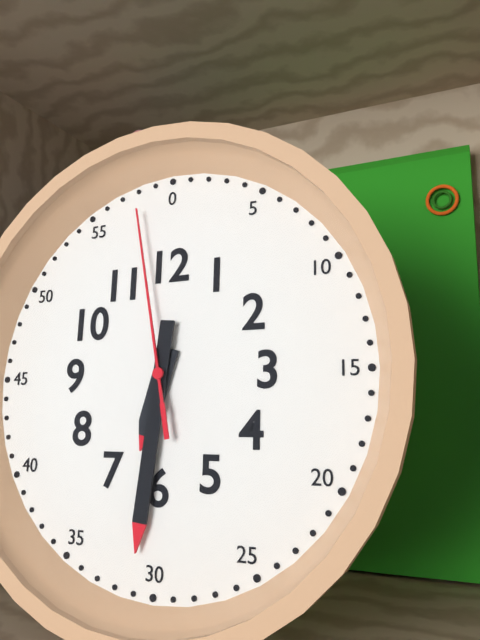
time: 6:31:58
